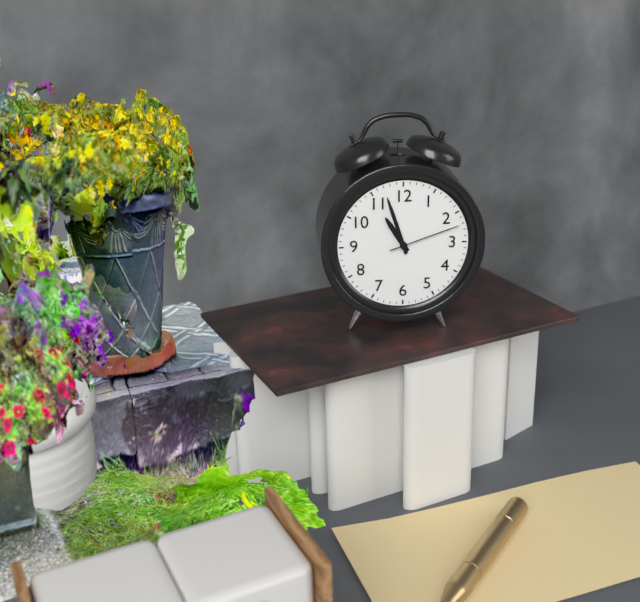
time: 10:57:12
